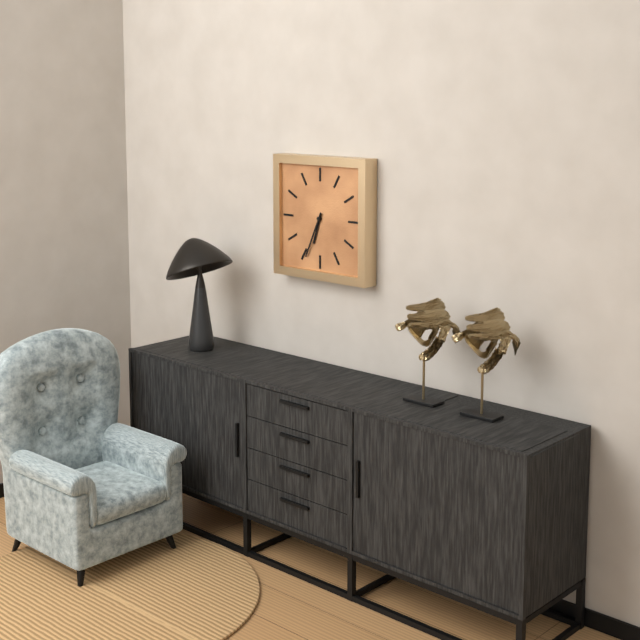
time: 6:34
